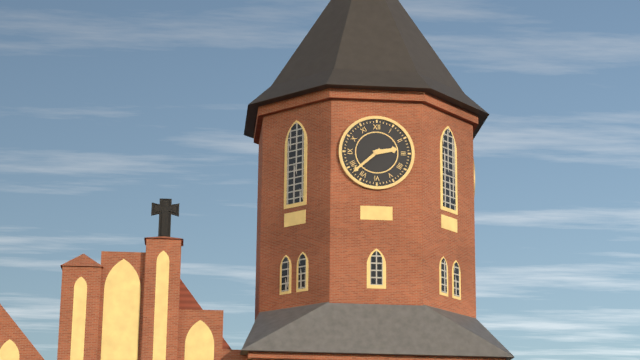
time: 2:38
